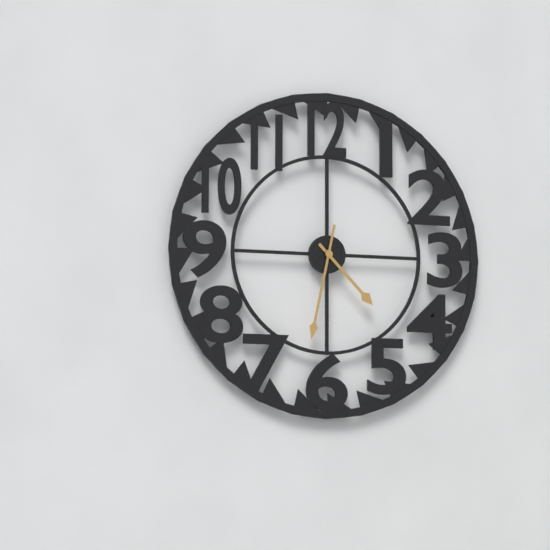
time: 4:32
